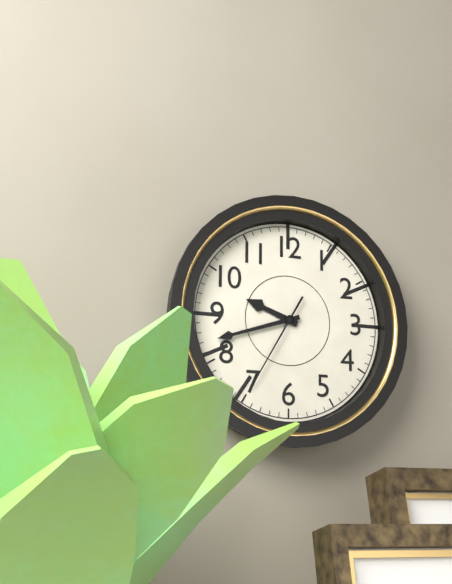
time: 9:42:35
